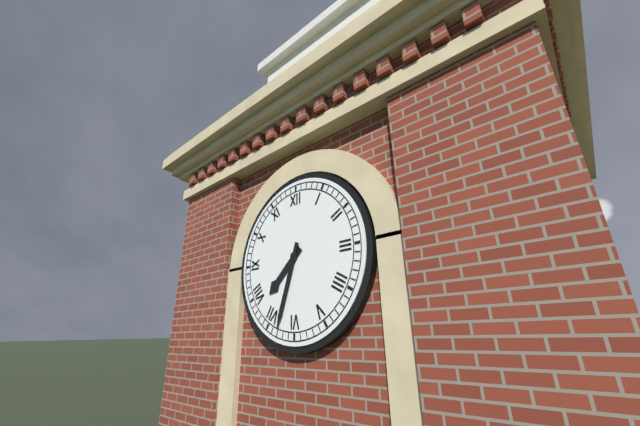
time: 7:33
